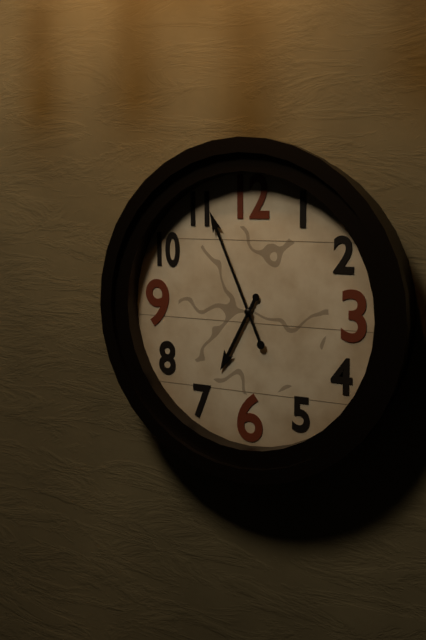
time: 6:56
